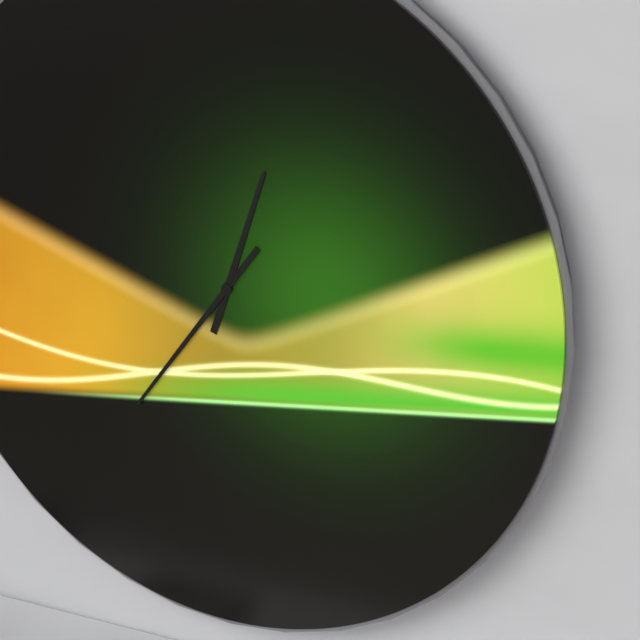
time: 12:36
